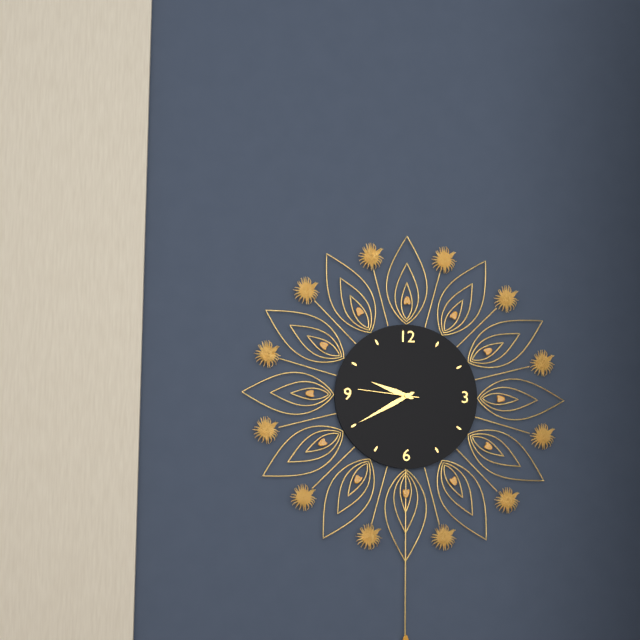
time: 9:40:46
